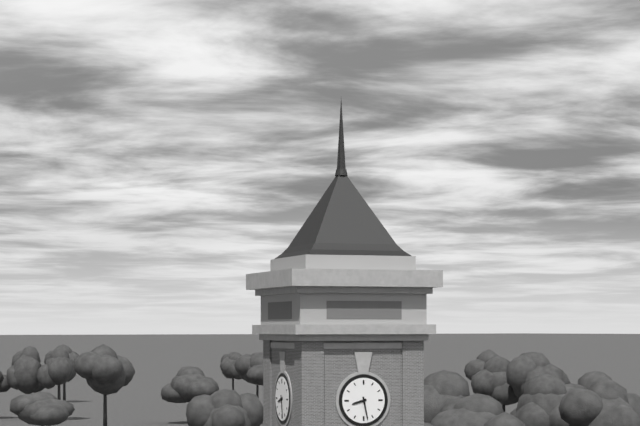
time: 8:28
